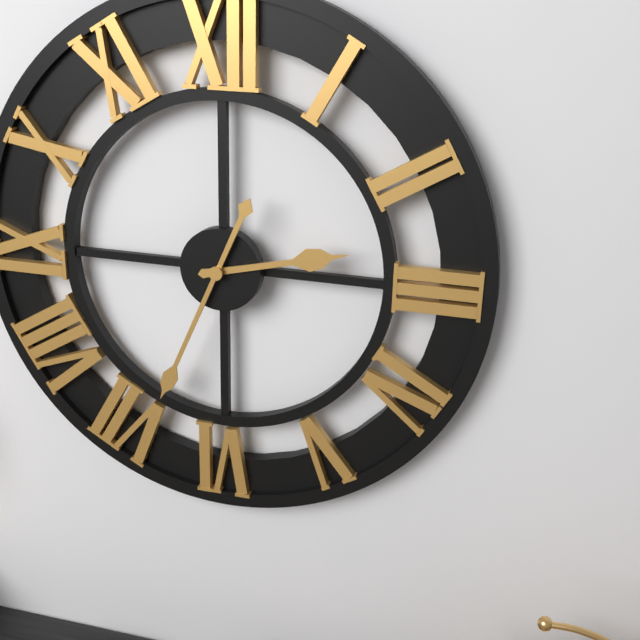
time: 2:34
